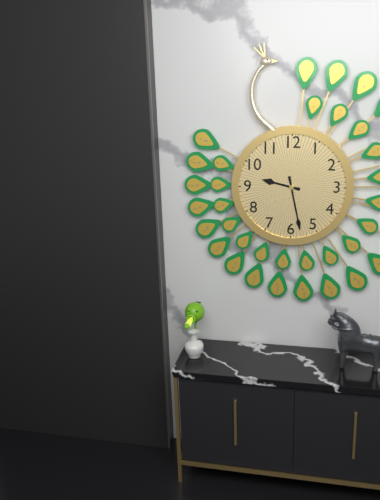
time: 9:28
